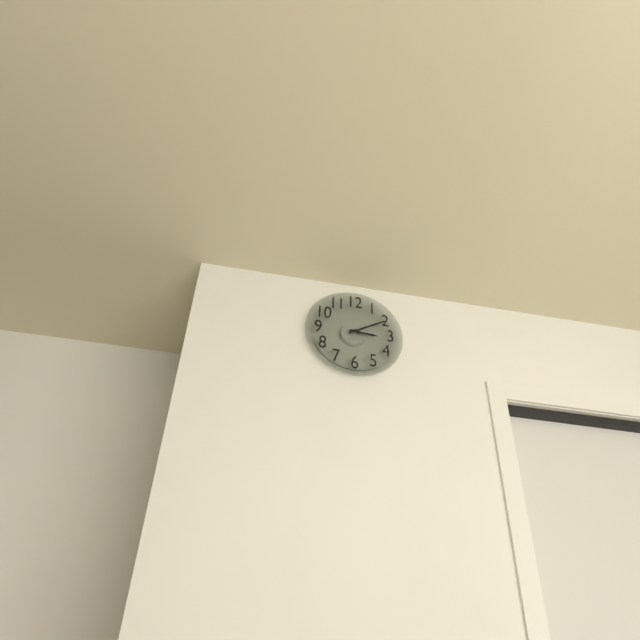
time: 3:10
